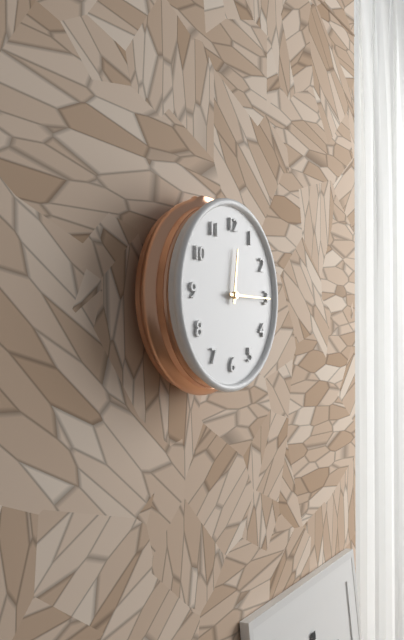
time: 12:15
